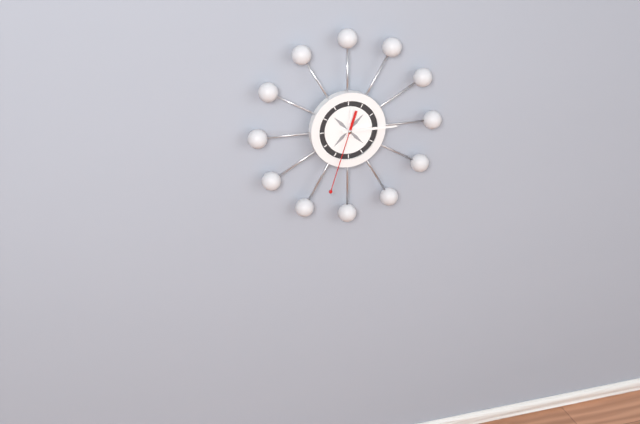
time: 12:15:33
